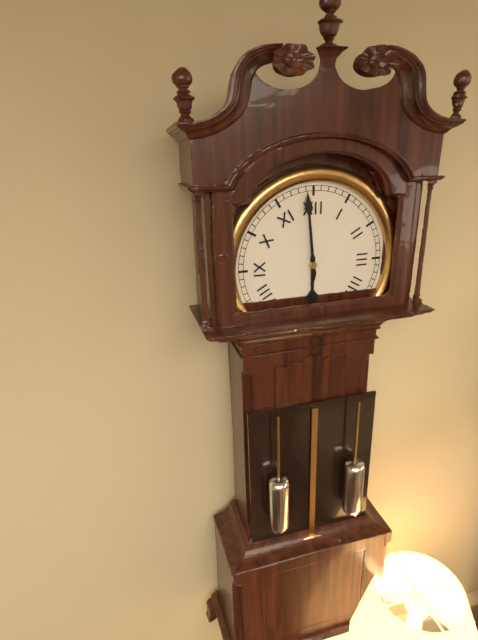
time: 5:59
